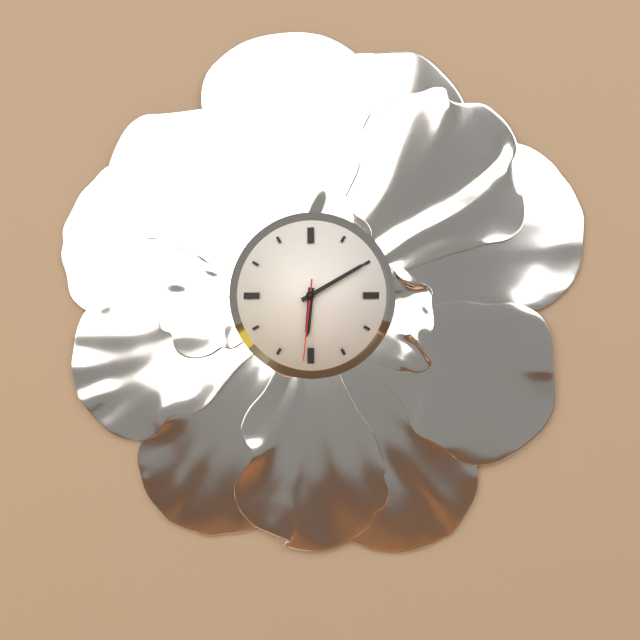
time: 6:10:31
